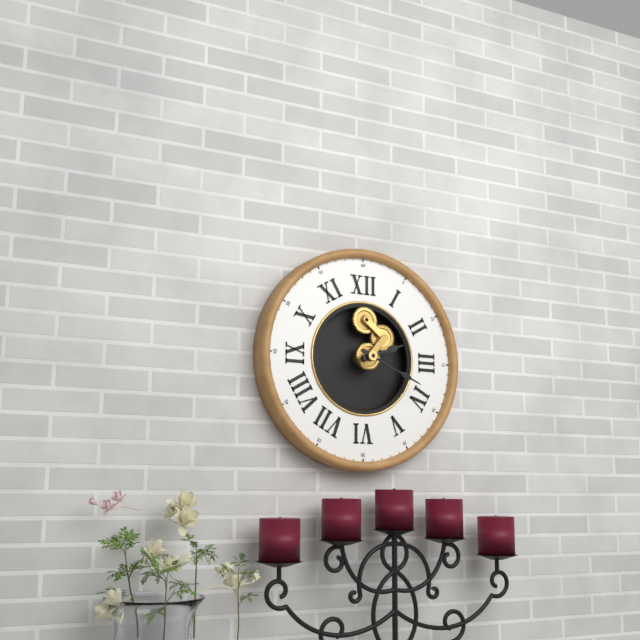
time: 2:19
